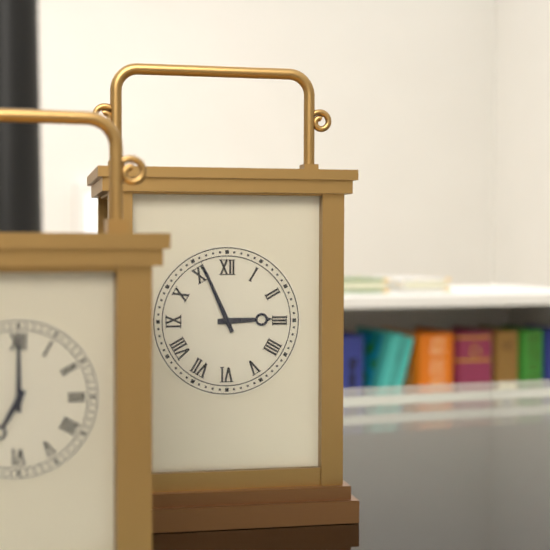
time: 2:56
